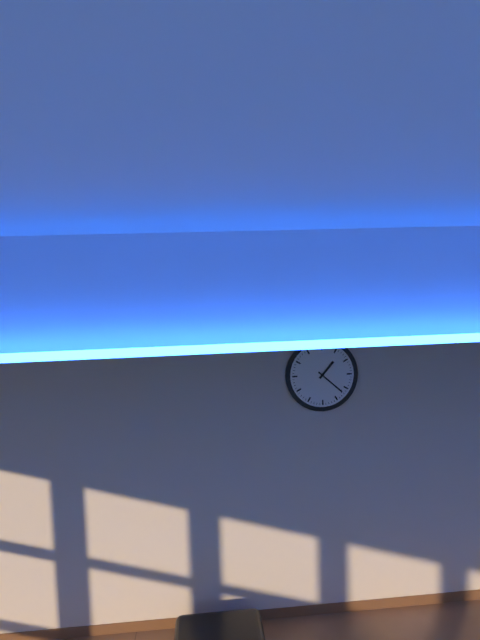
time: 1:22
